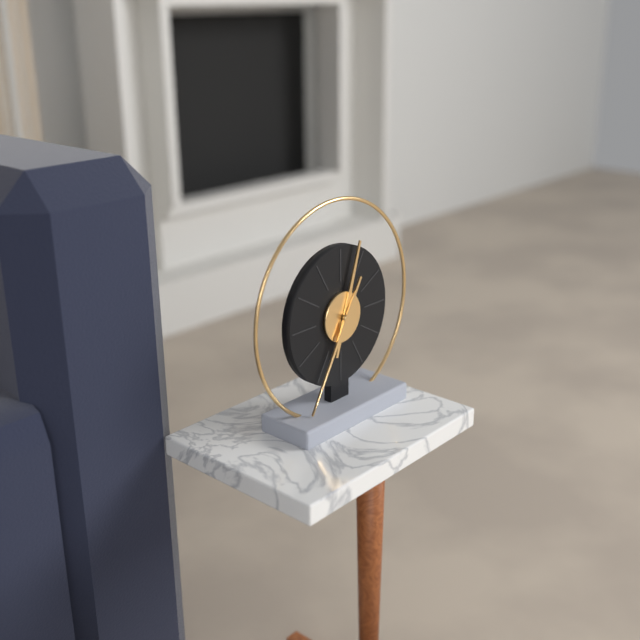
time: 12:35
